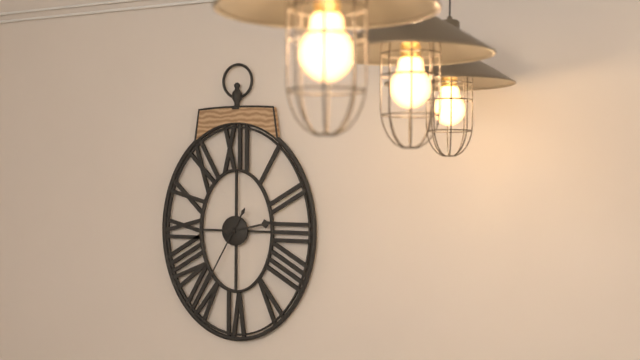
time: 2:35
